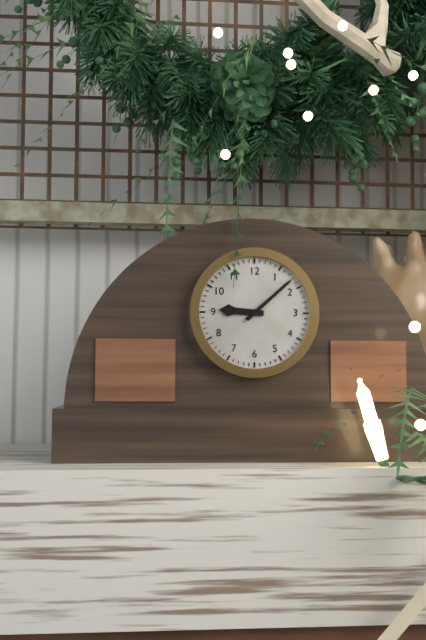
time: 9:08
